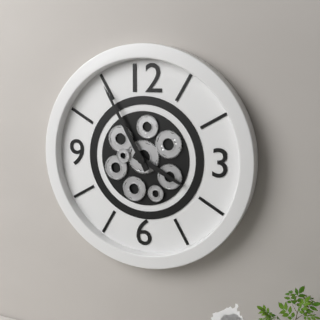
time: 3:55
